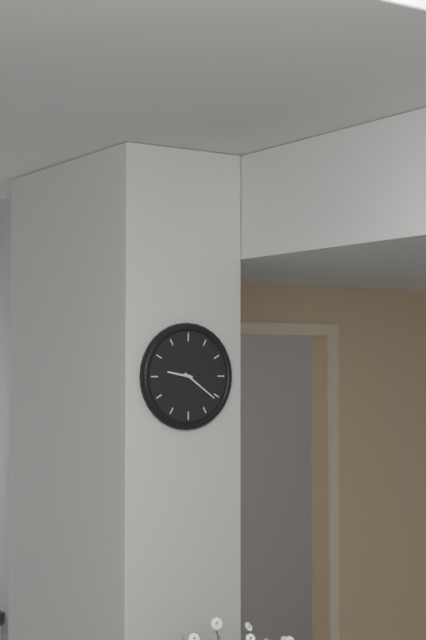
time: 9:21
